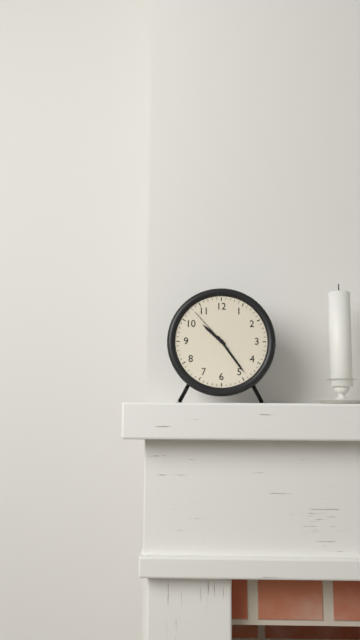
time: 10:24
